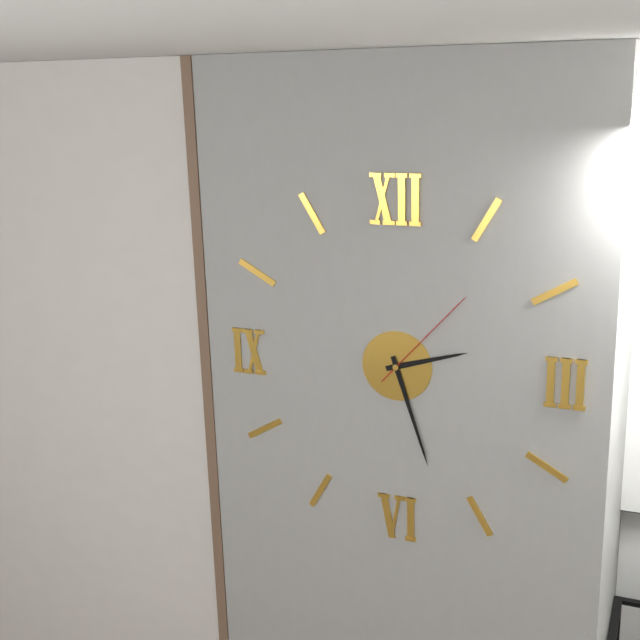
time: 2:27:07
